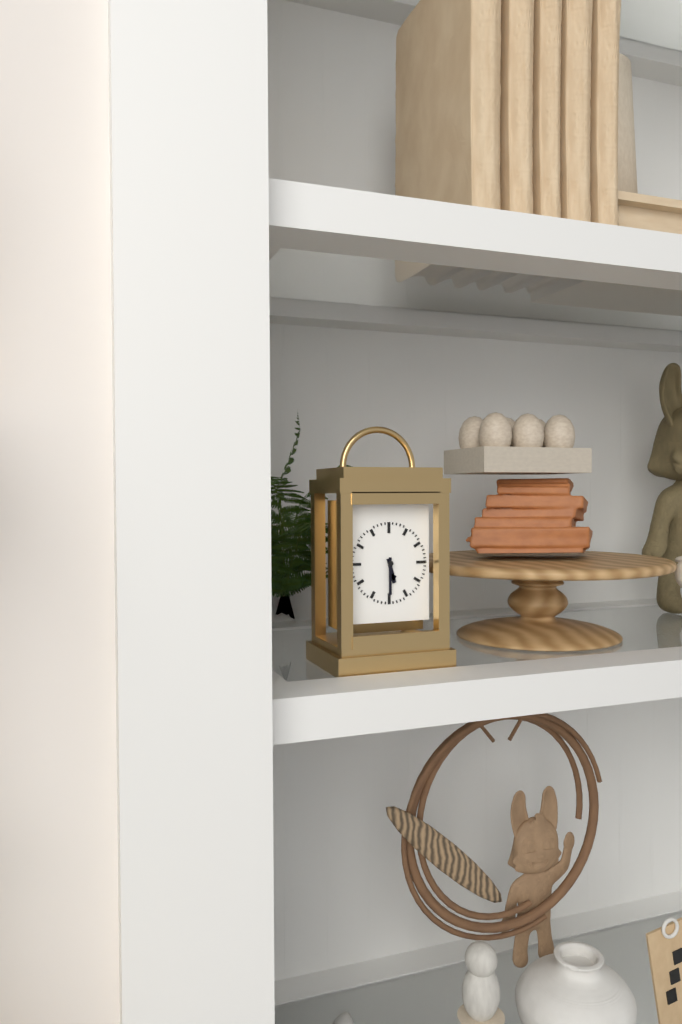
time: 5:30
